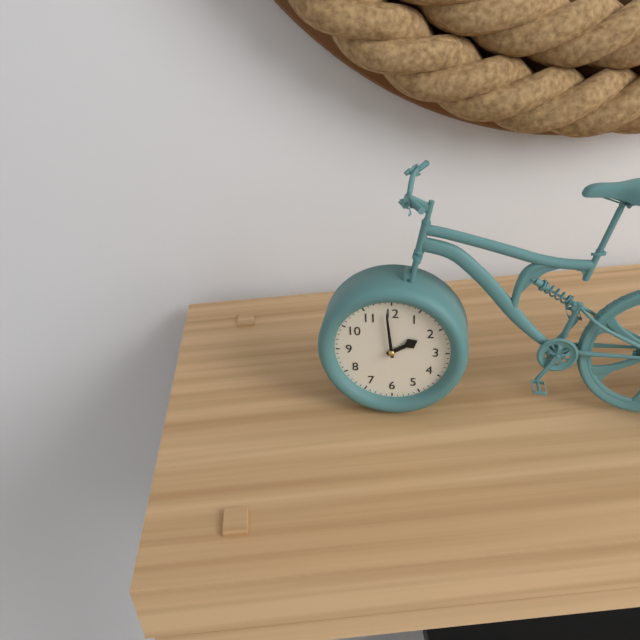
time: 1:59
